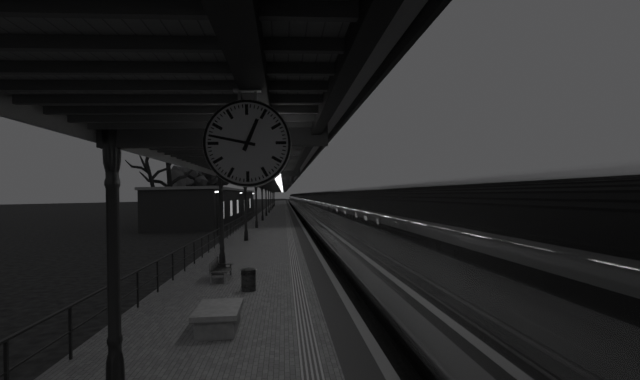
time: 12:47
